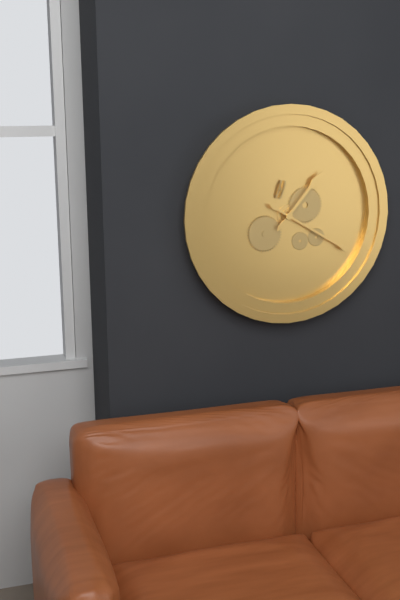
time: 1:20
